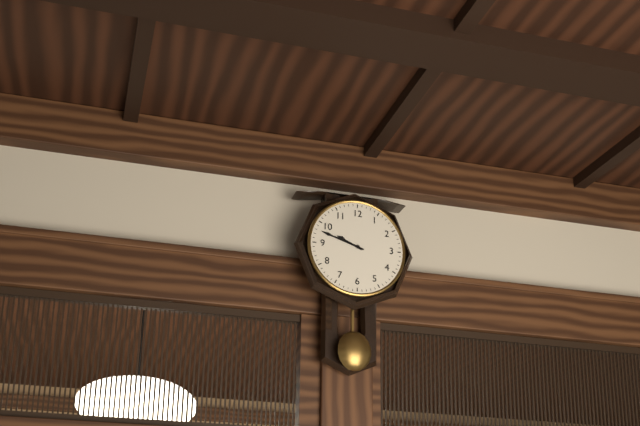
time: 9:48
